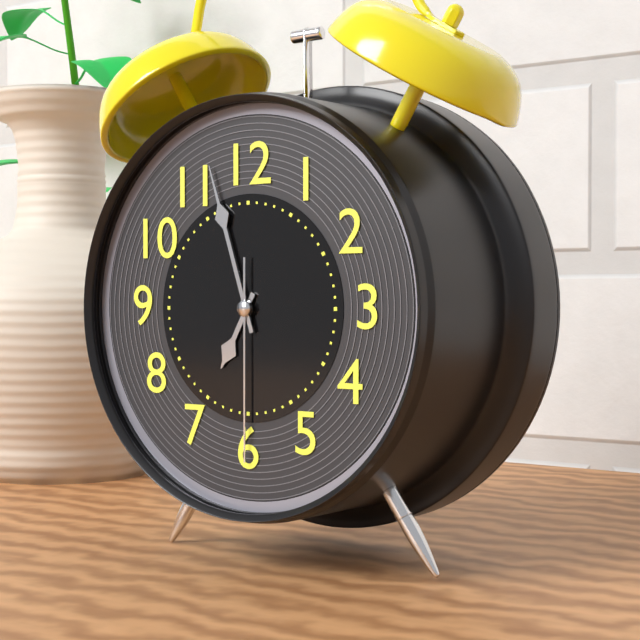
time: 6:57:30
